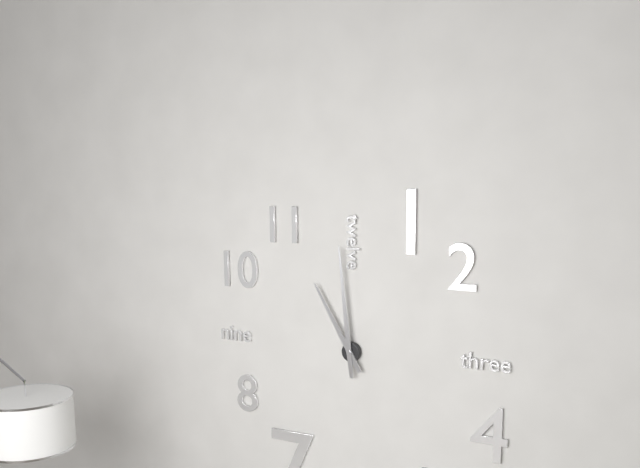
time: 10:59
